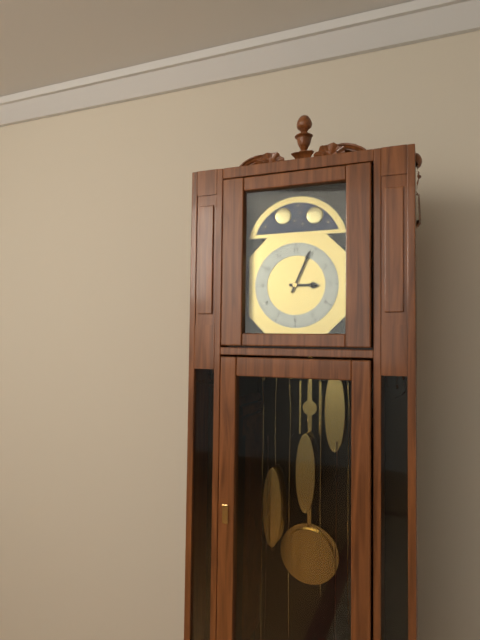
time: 3:04
